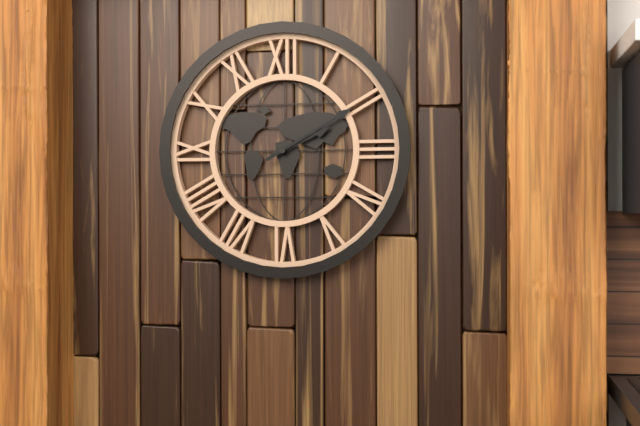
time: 2:10
